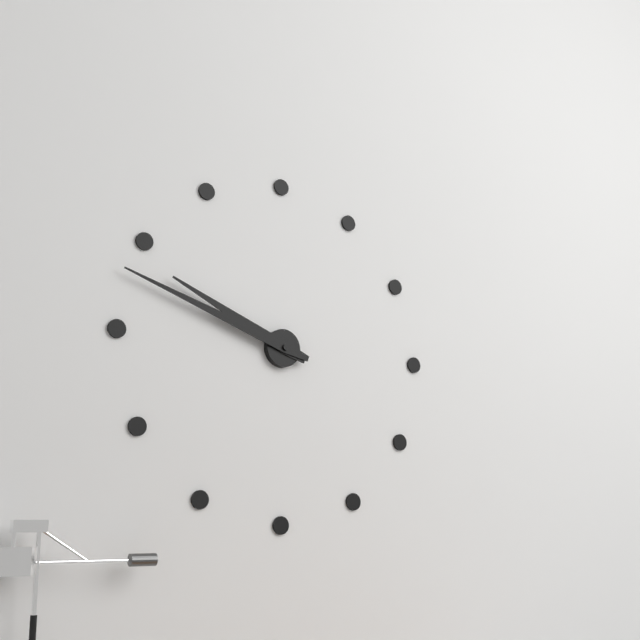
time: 9:48
